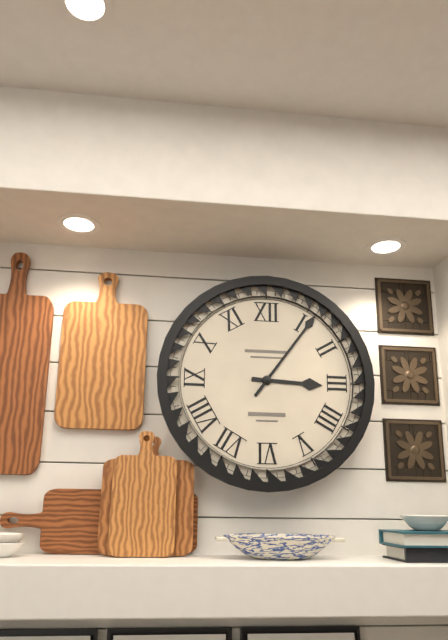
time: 3:06
